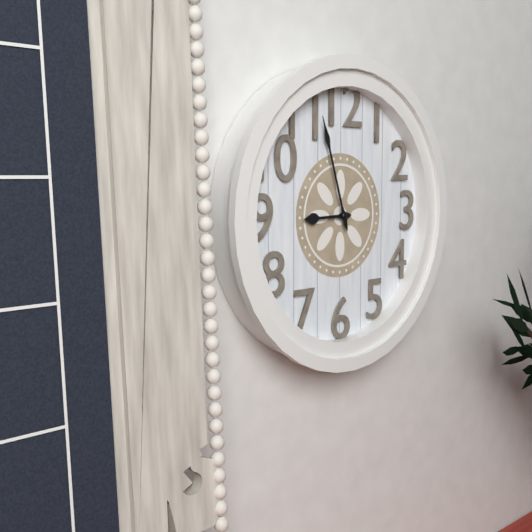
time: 8:57
